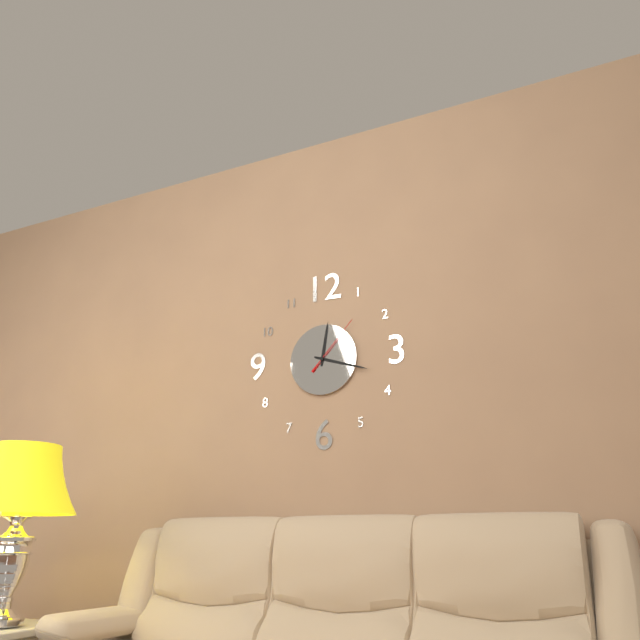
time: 12:18:07
